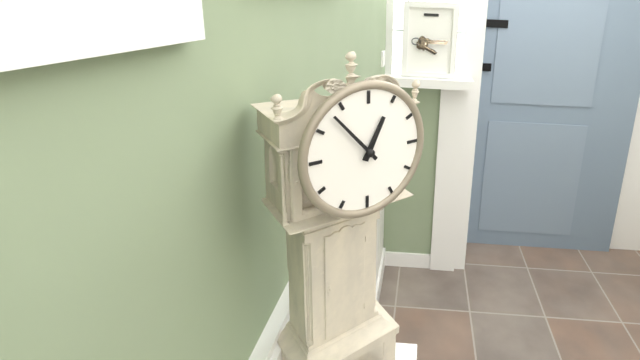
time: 12:53
